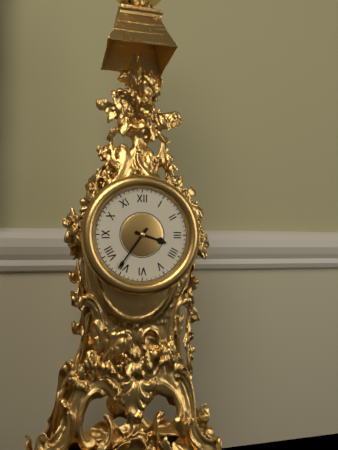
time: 3:36
